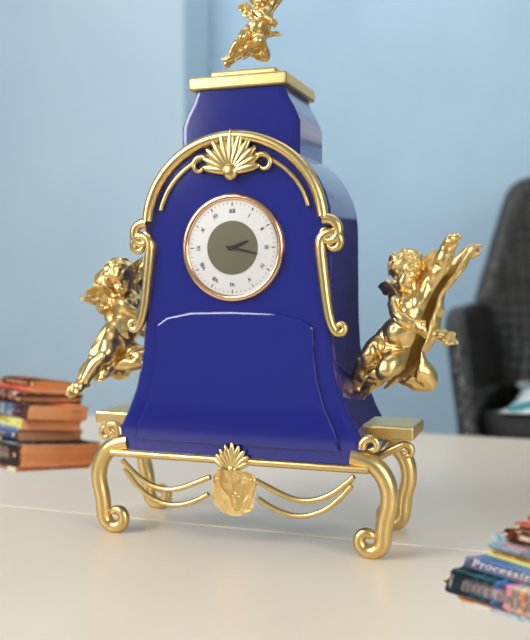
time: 2:17
